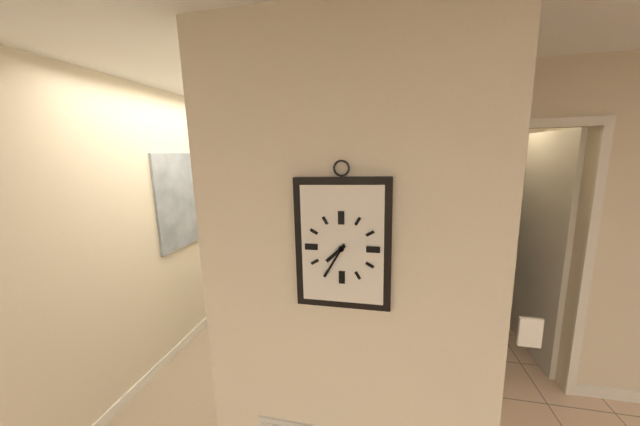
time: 7:35
